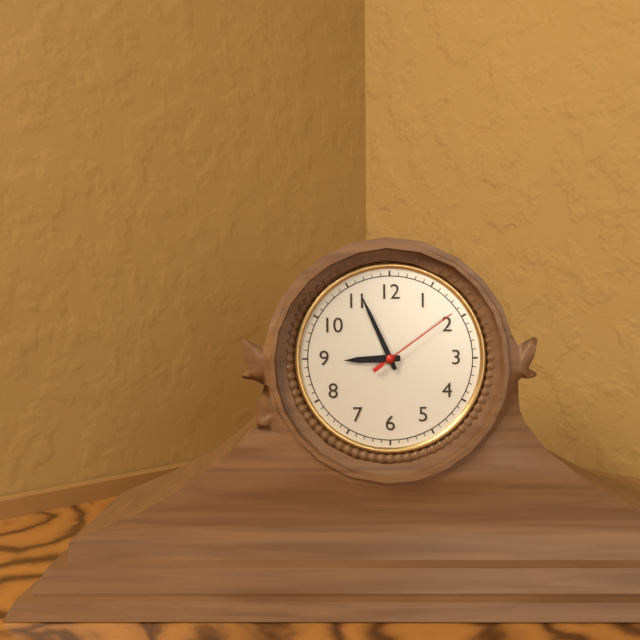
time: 8:56:09
